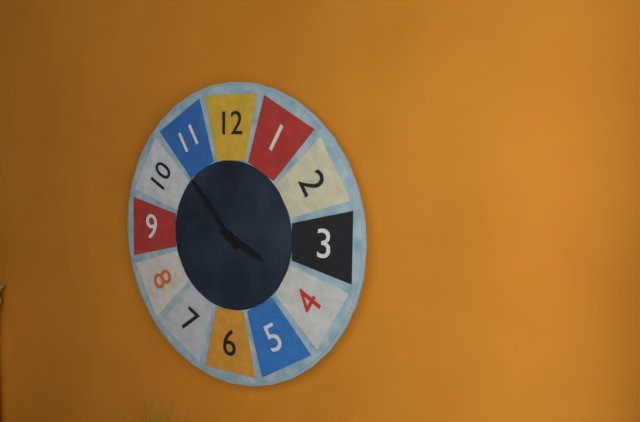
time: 3:53
